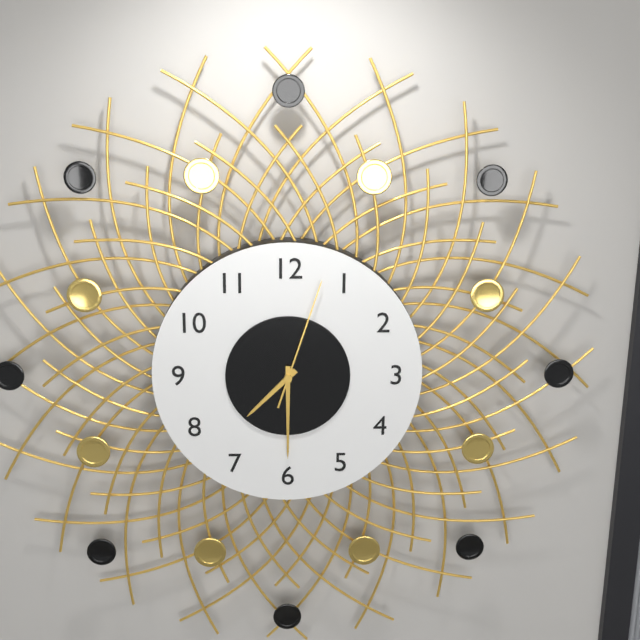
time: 7:30:03
